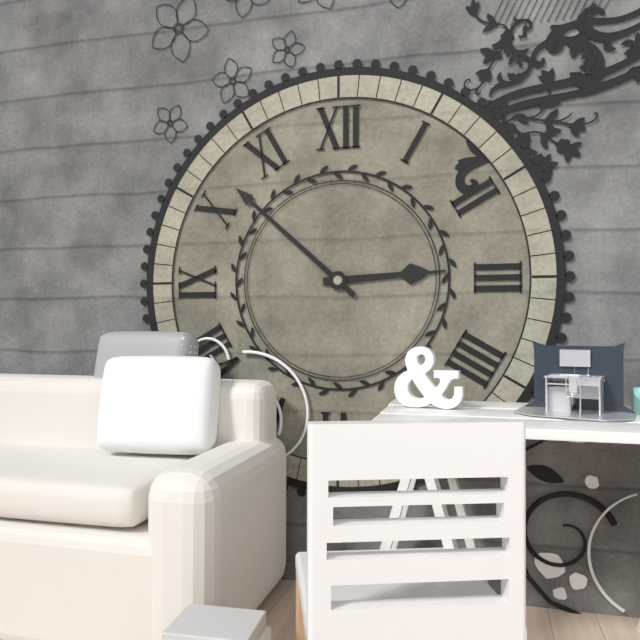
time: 2:52
